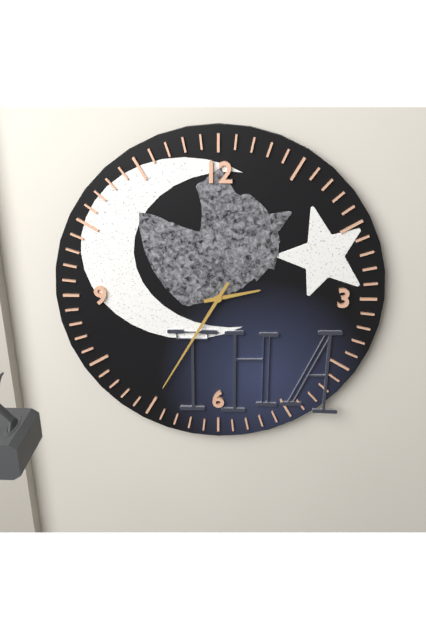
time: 2:35
